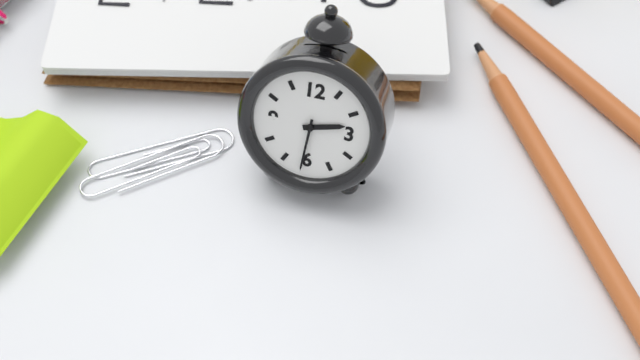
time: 2:31
